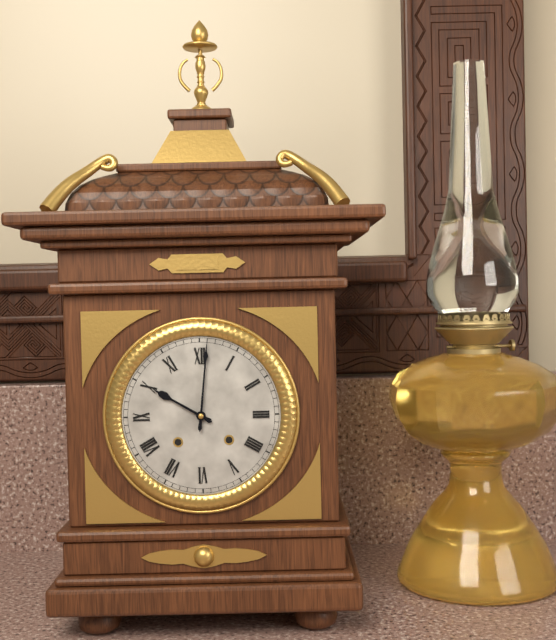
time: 10:01
